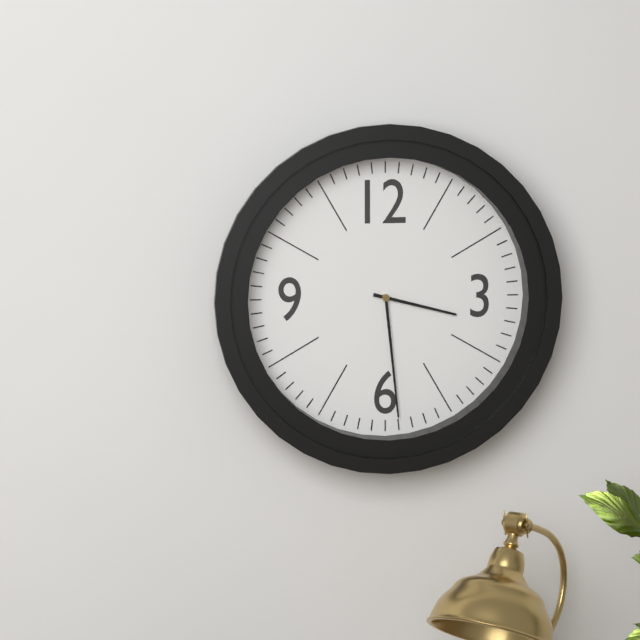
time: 3:29
